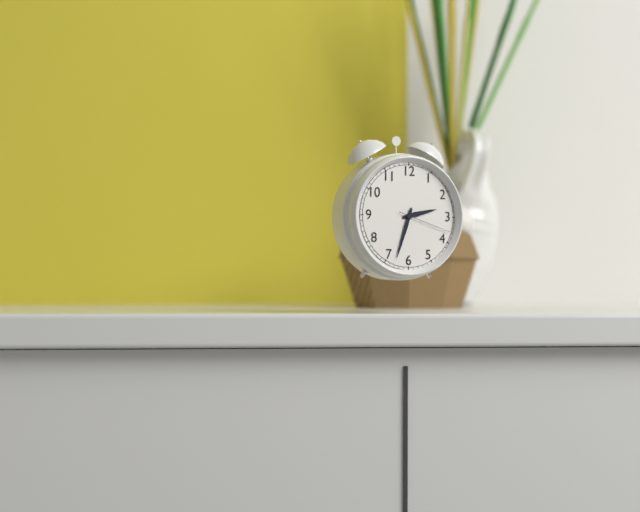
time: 2:33:18
